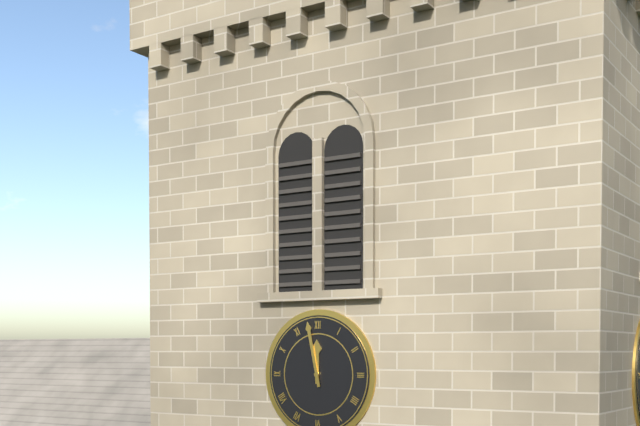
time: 11:58
